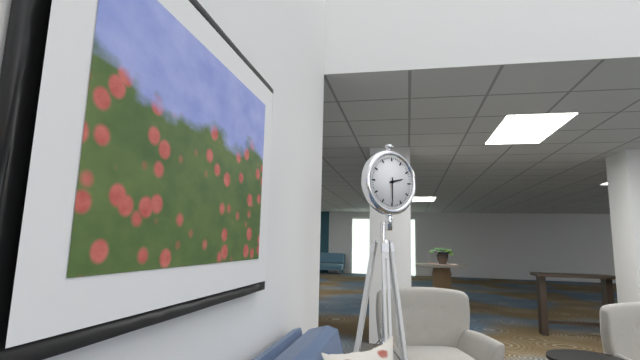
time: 2:30
